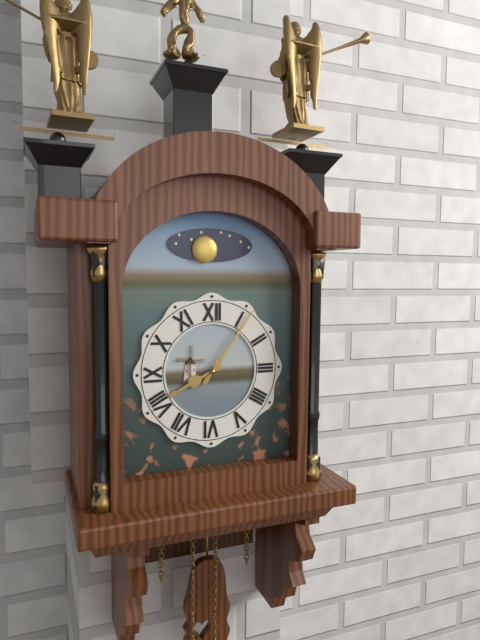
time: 8:06
